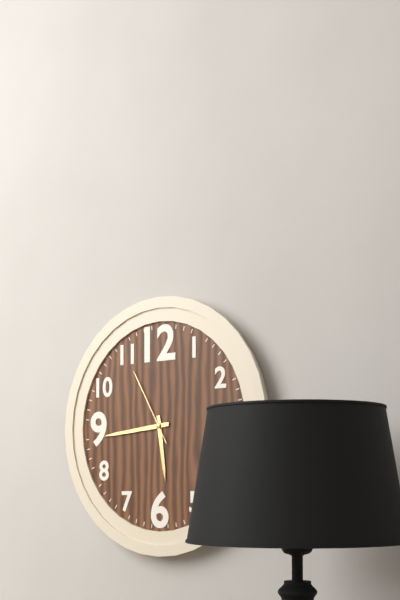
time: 5:44:55
